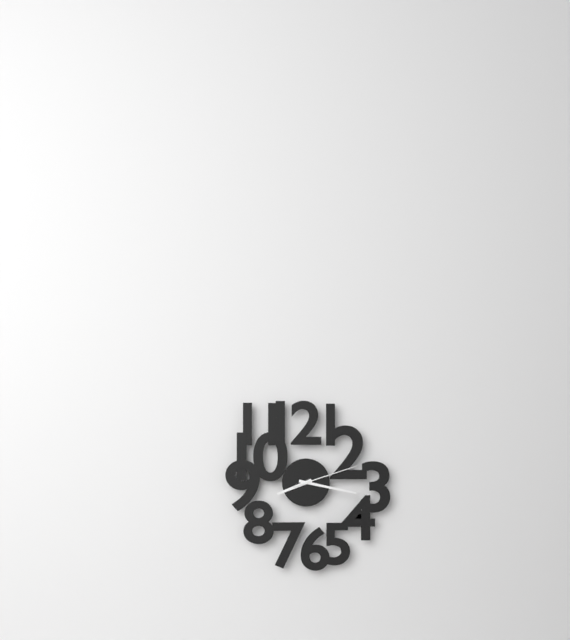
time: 8:17:12
